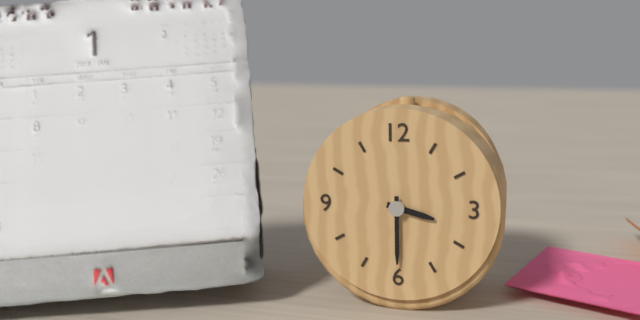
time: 3:30
